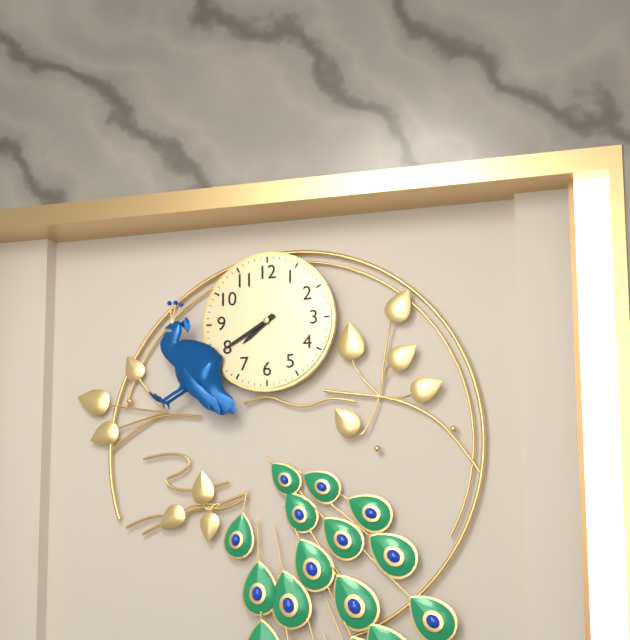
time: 7:40
